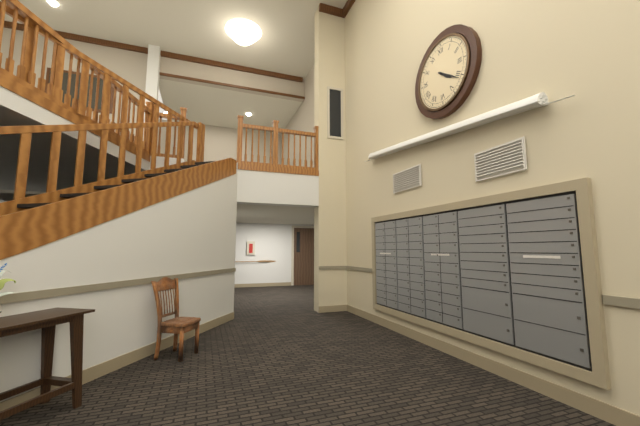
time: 4:21
